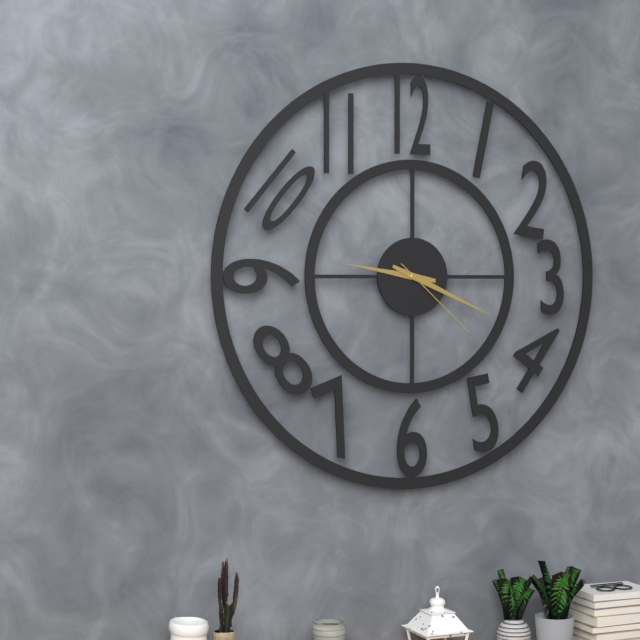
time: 9:19:22
